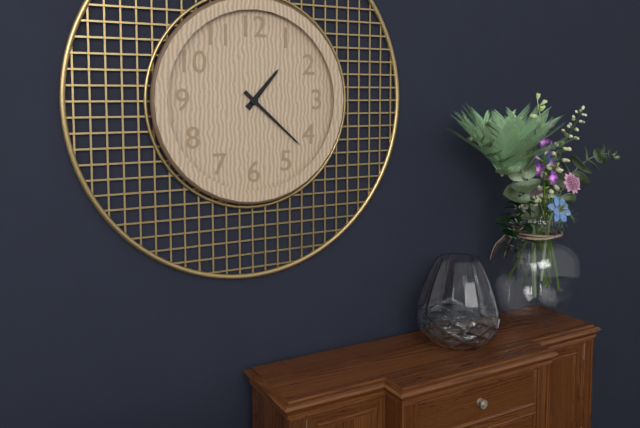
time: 1:22
